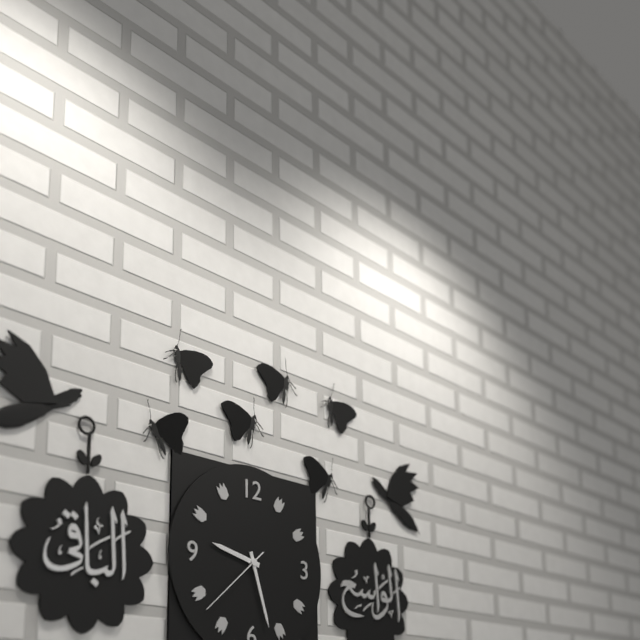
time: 9:27:38
